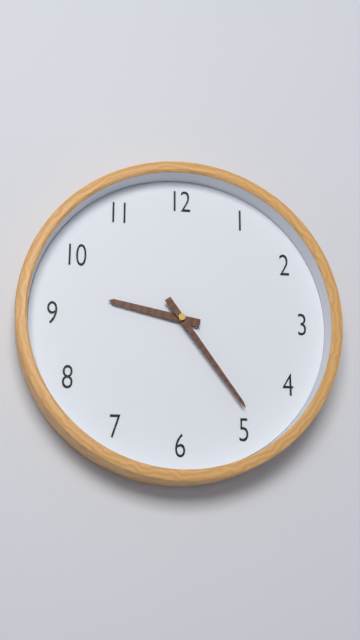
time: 9:24
